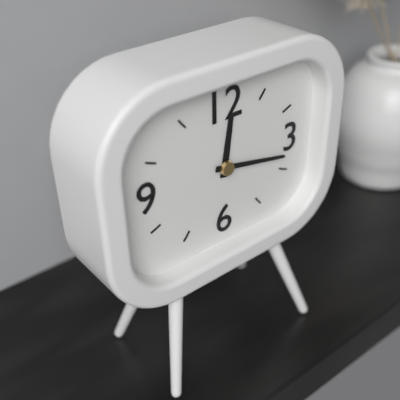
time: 12:17
